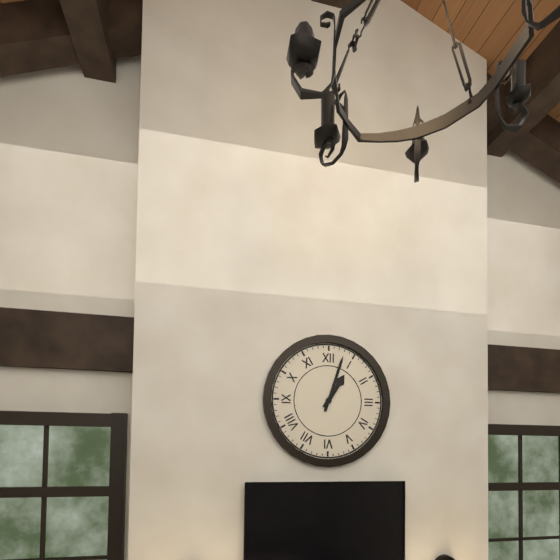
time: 1:03
